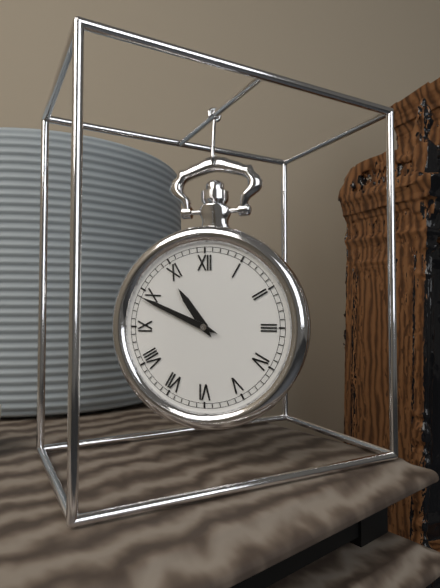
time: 10:49
